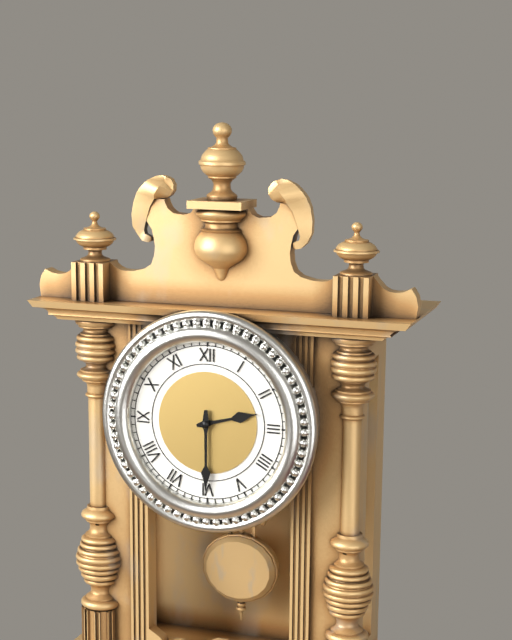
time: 2:30
